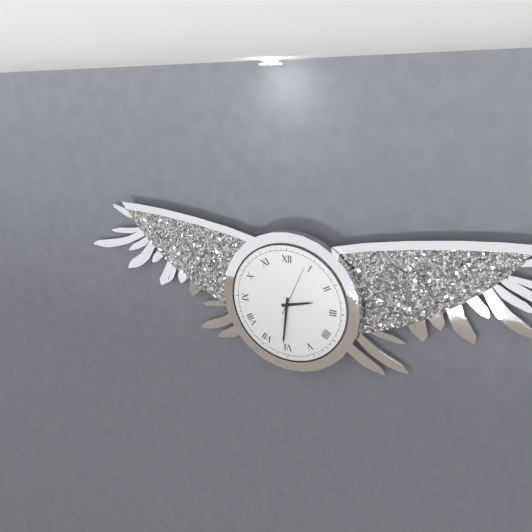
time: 2:31
